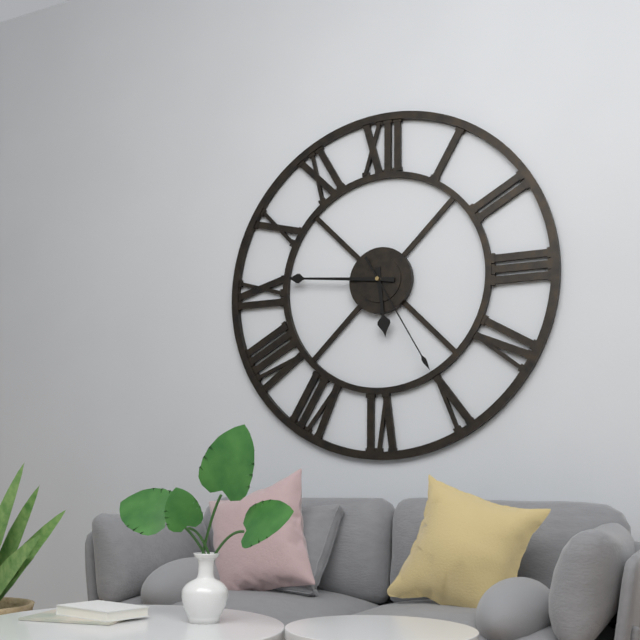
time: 5:46:25
